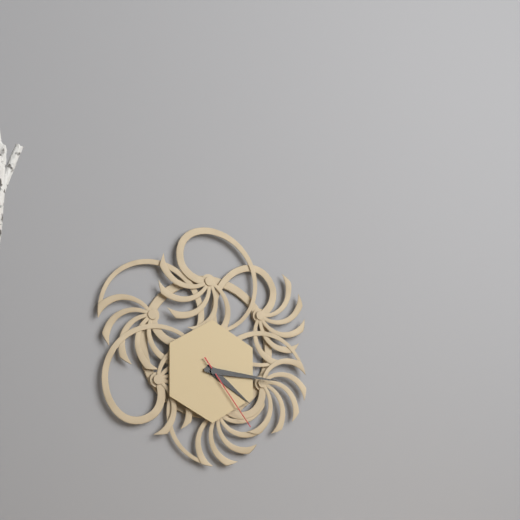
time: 4:16:24
